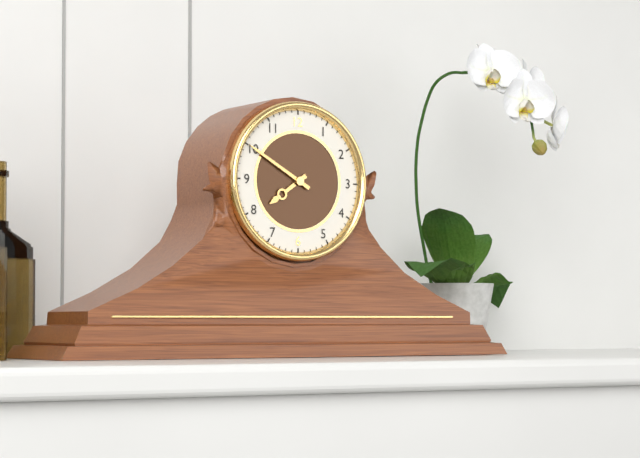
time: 7:50
